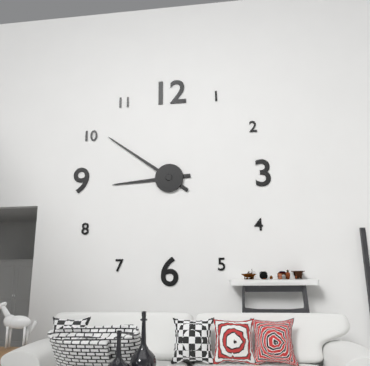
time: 8:51
